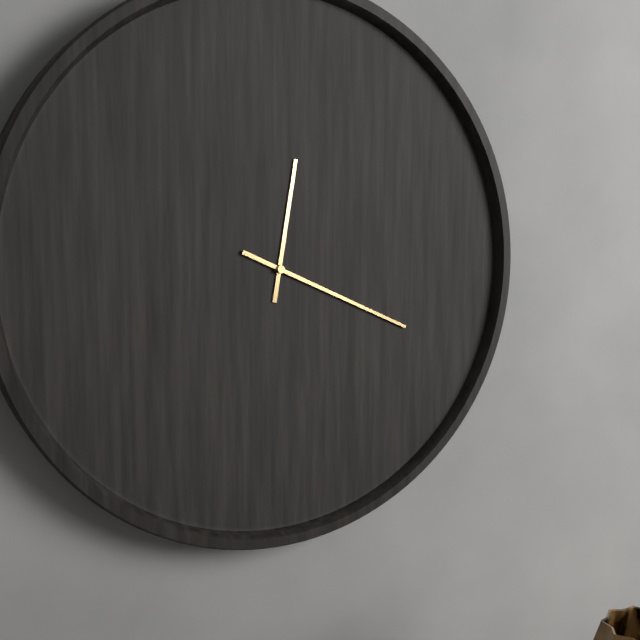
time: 12:19
